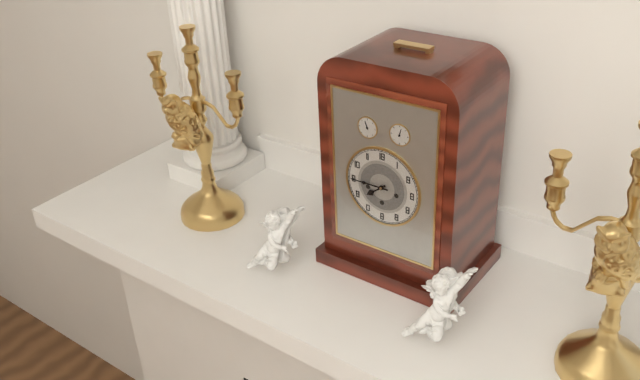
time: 7:45
